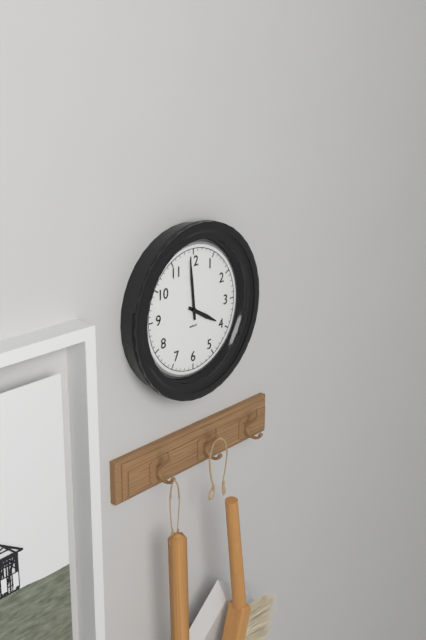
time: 3:59
